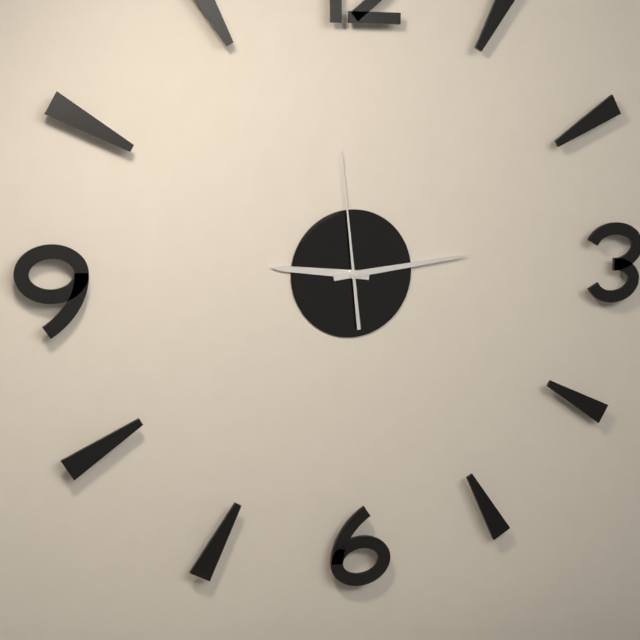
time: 9:14:59
